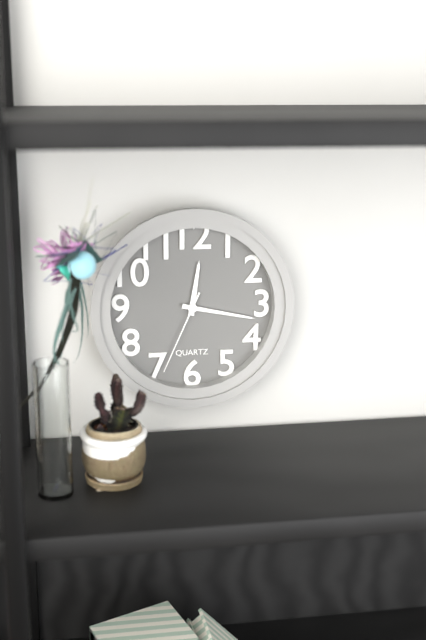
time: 12:17:34
